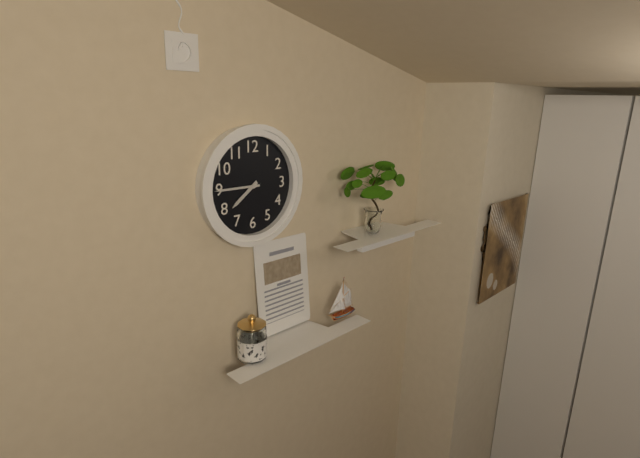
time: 7:45
